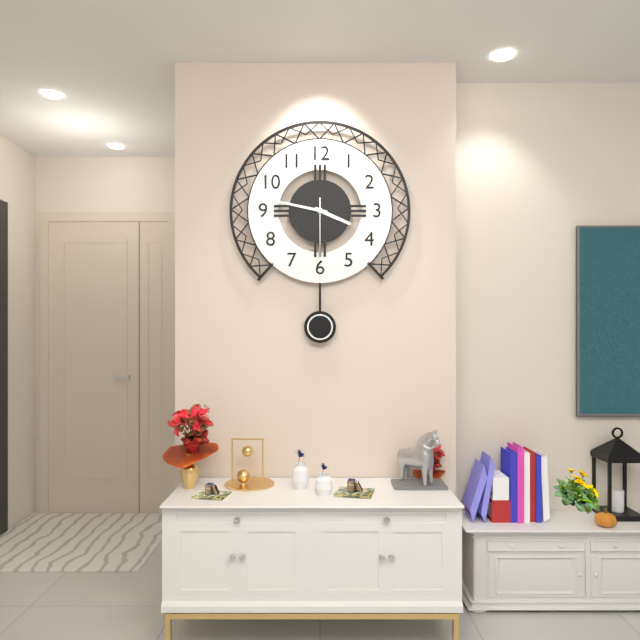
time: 3:47:30
